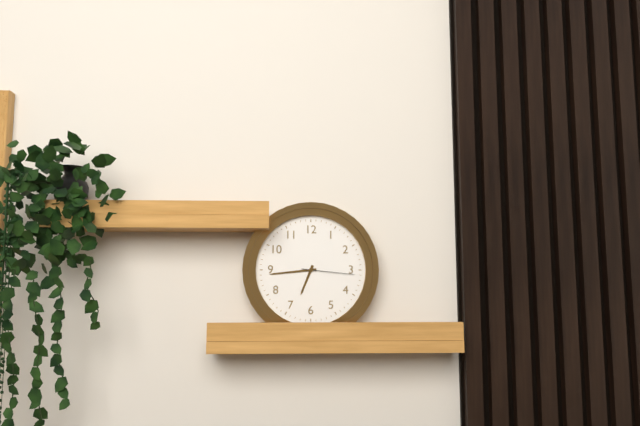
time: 6:44:16
